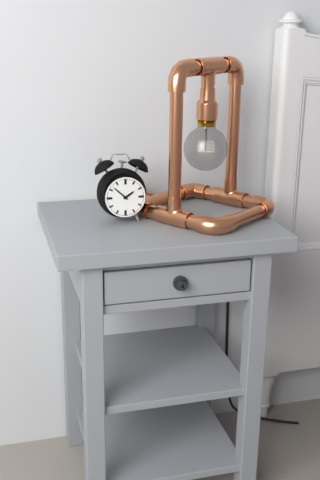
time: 1:52
